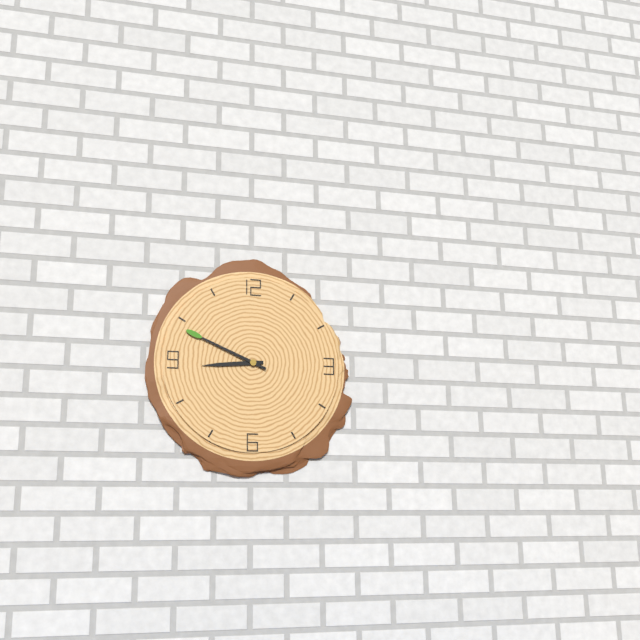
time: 8:49
